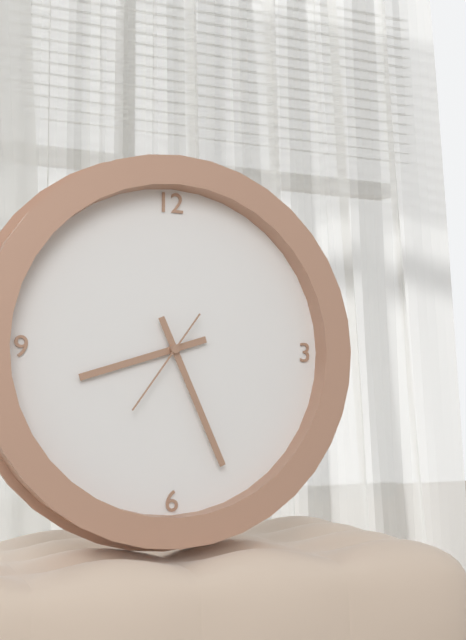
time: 8:26:36
